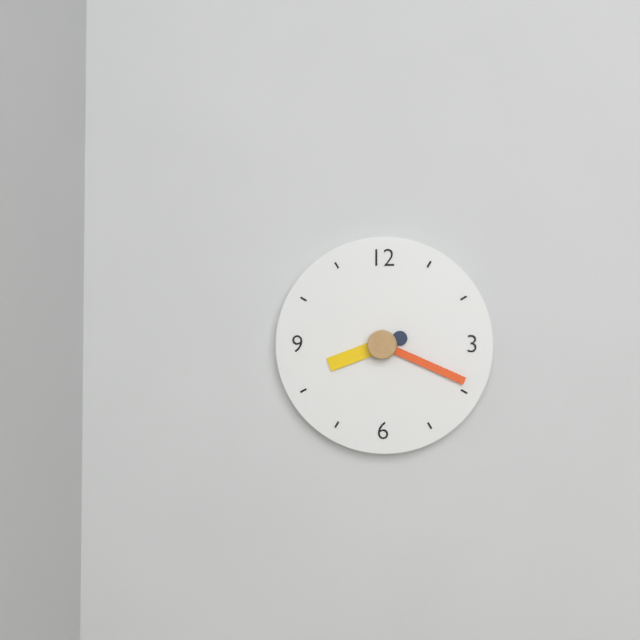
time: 8:19
